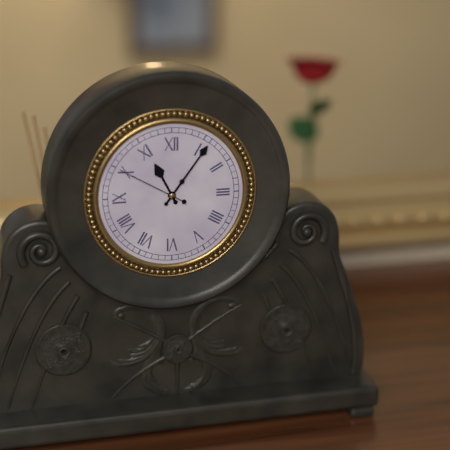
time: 11:06:50
